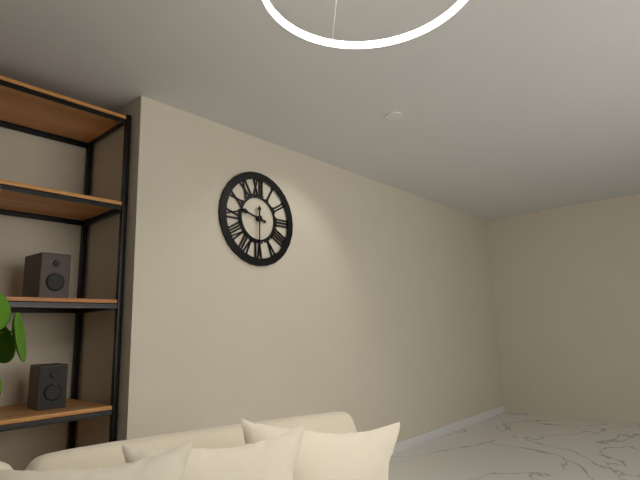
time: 9:30
